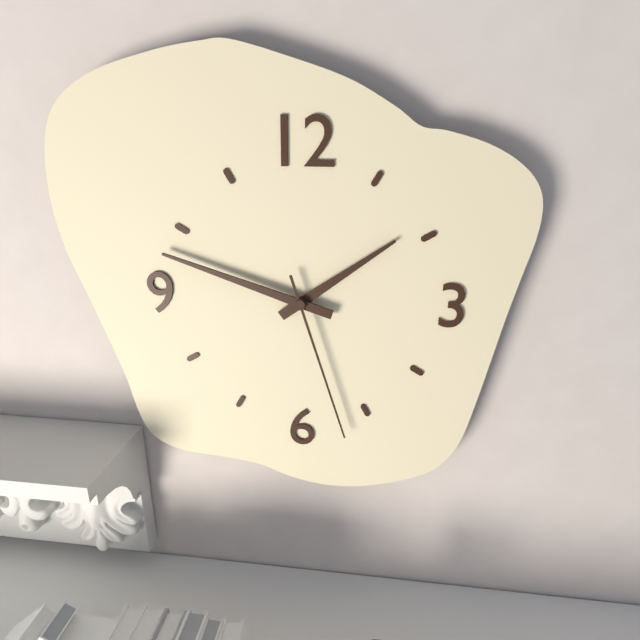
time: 1:48:27
